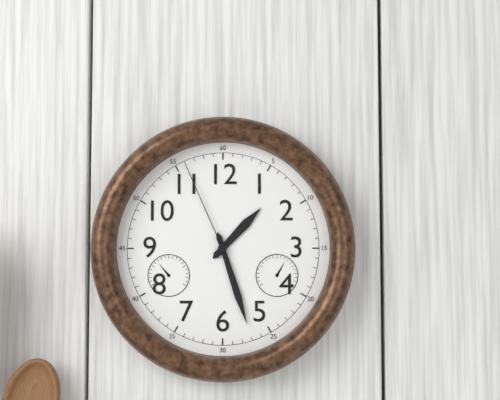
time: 1:27:56
